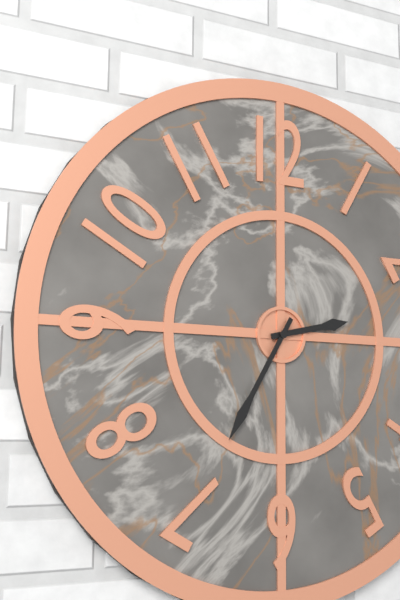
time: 2:35
